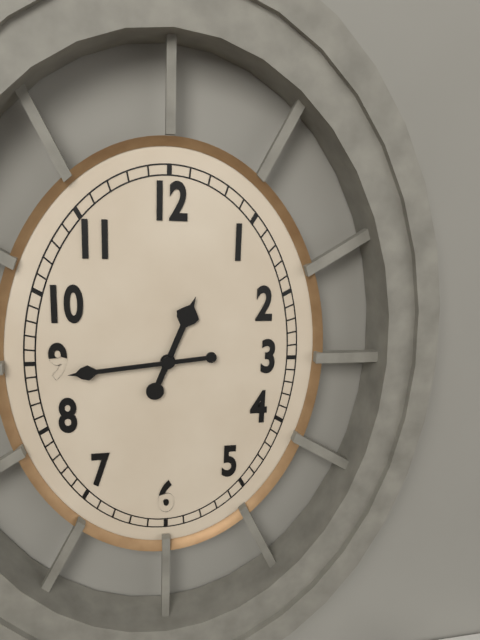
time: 12:44
